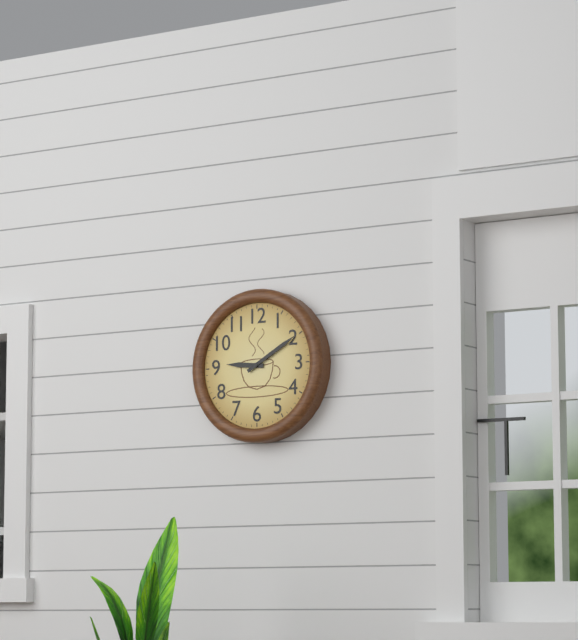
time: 9:10
